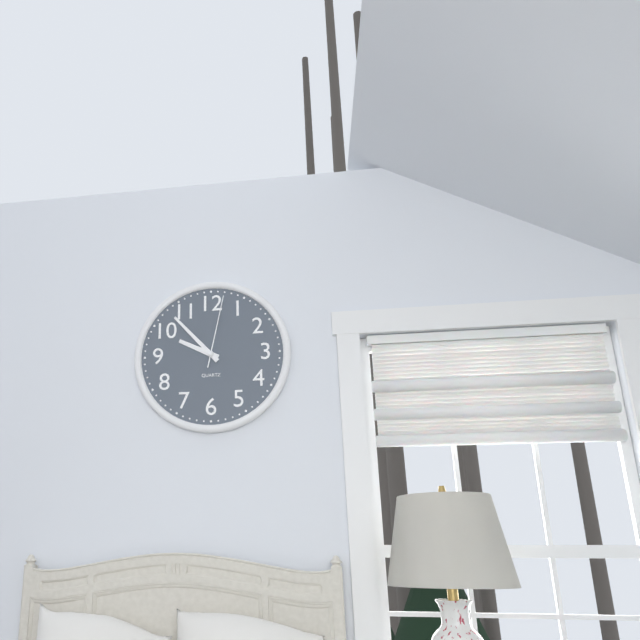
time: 9:53:02
